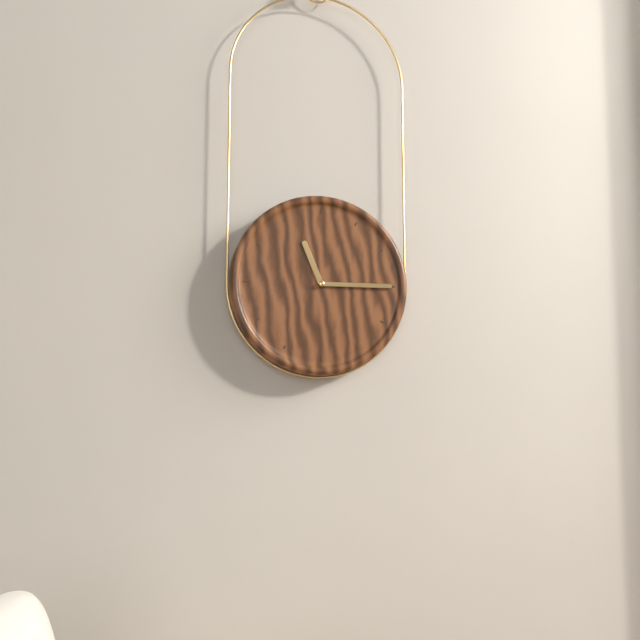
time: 11:15
